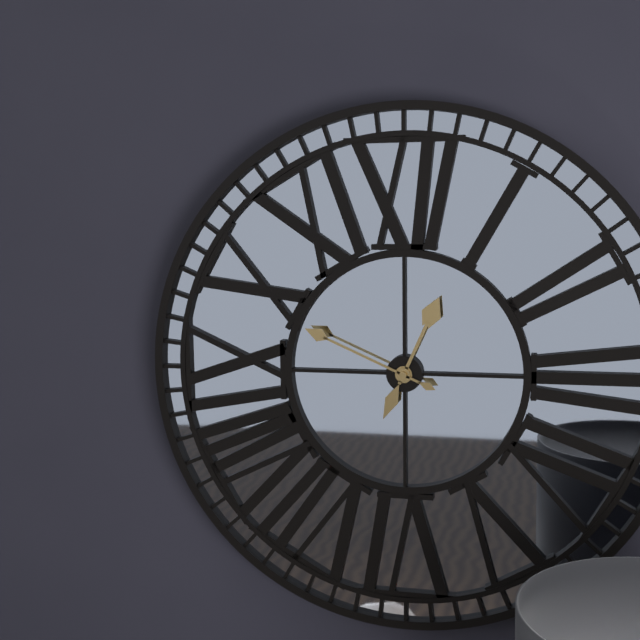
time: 12:49
